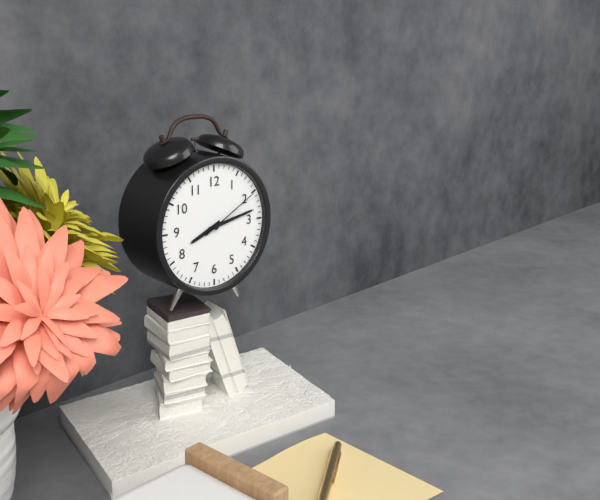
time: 8:13:10
